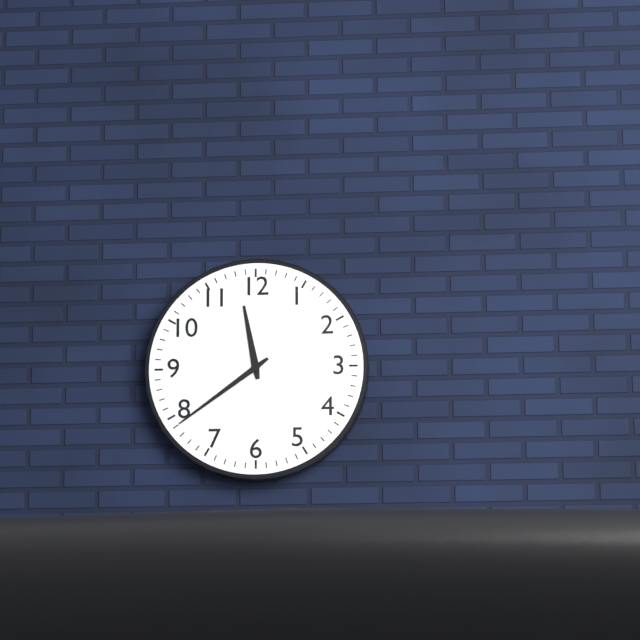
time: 11:39
